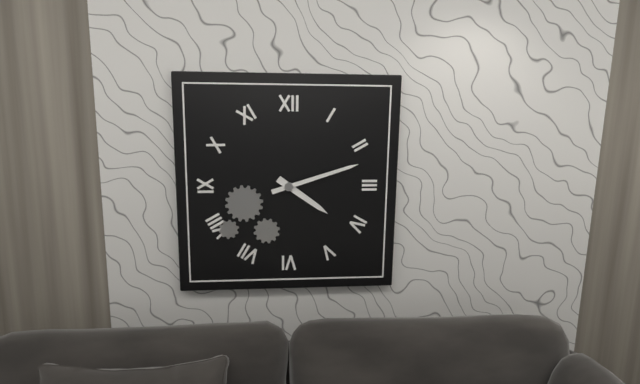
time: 4:12
